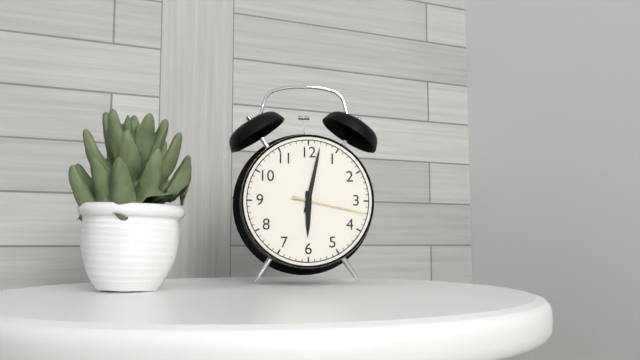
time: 6:02:17
